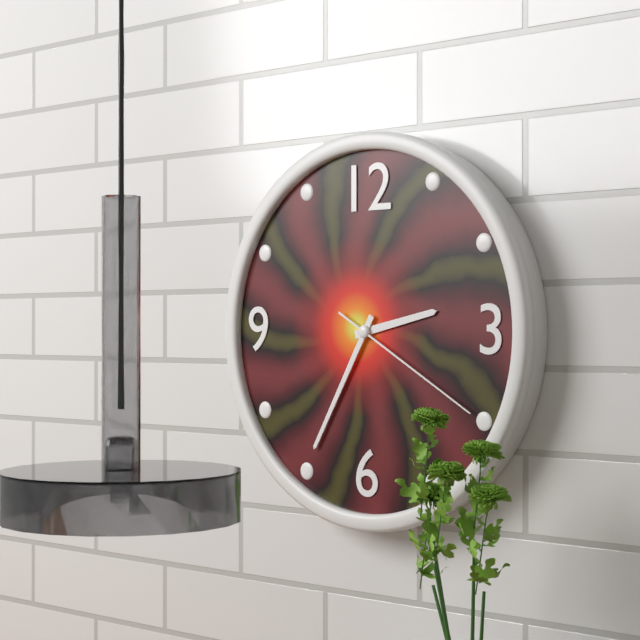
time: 2:35:20
